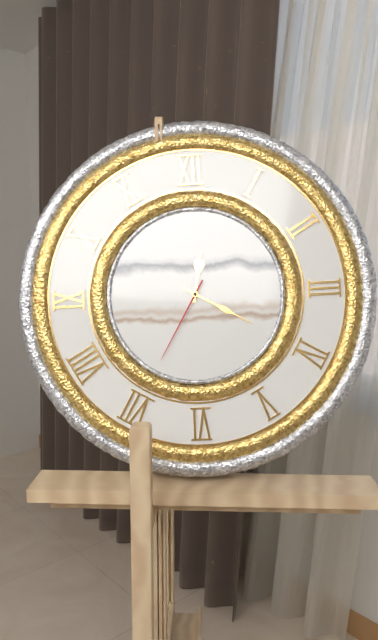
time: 12:20:35
